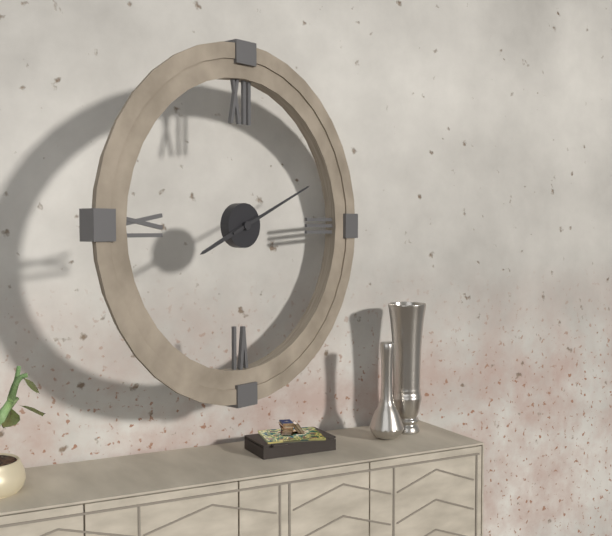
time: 8:11
